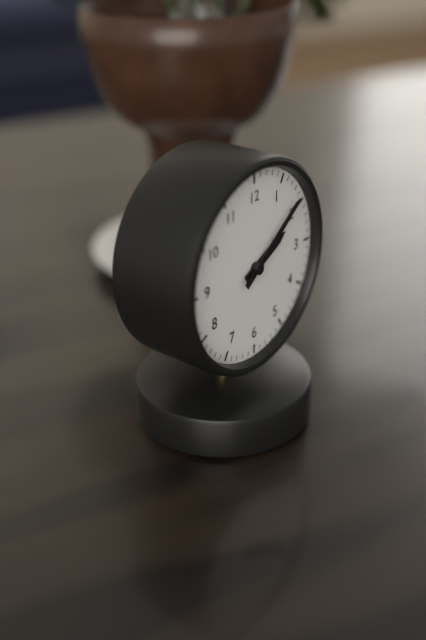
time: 2:09
